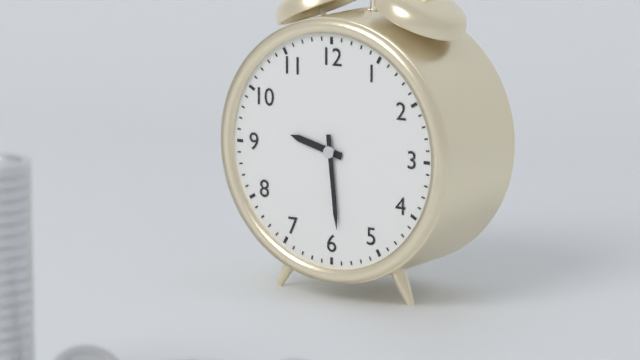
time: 9:29
